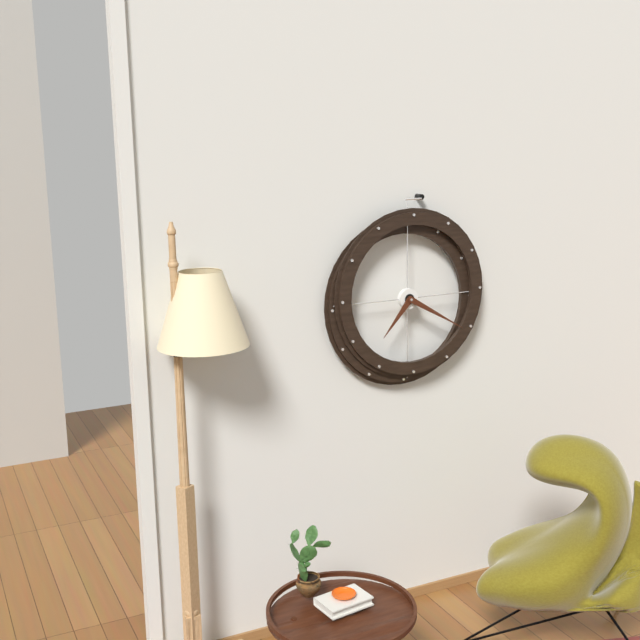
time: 7:20
